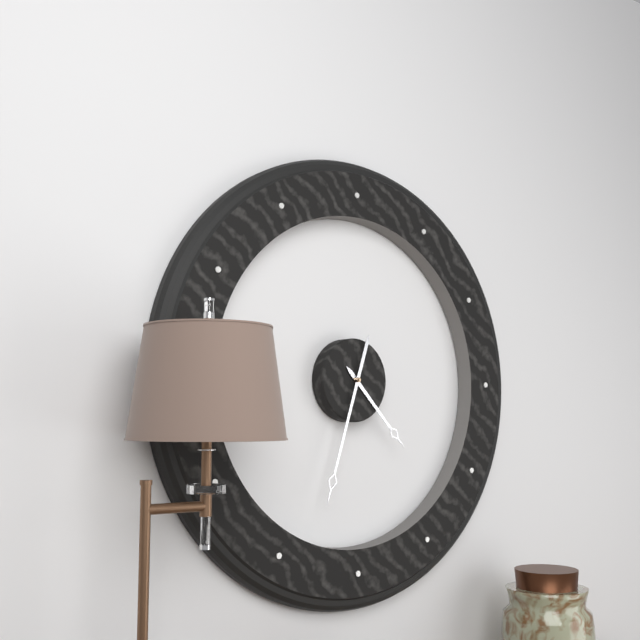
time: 4:33
